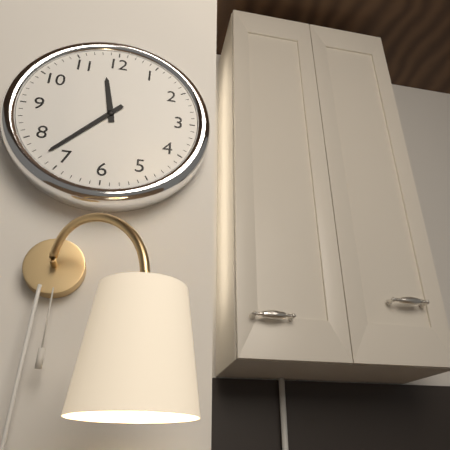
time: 11:37
